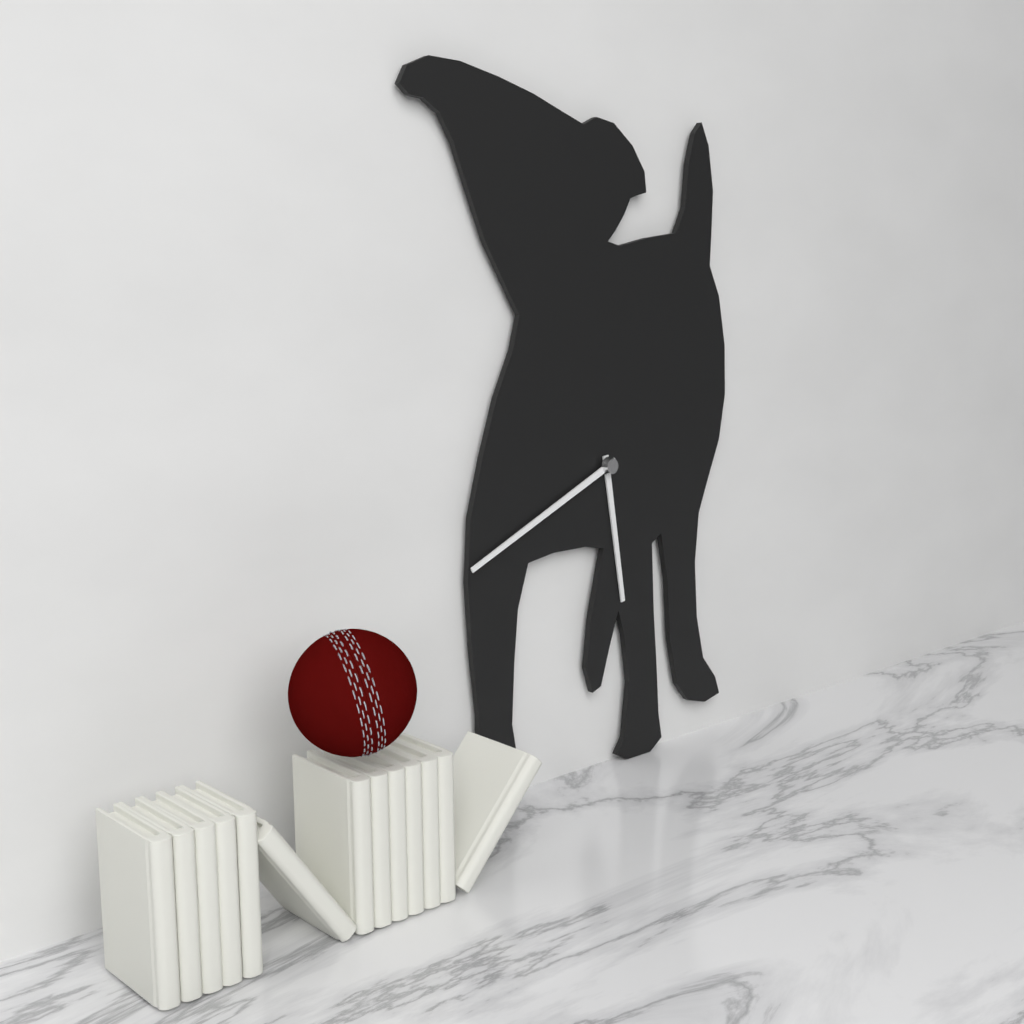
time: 5:41
